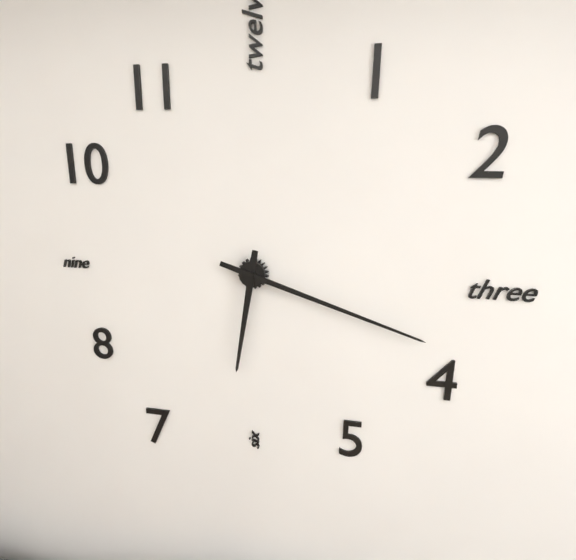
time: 6:18
